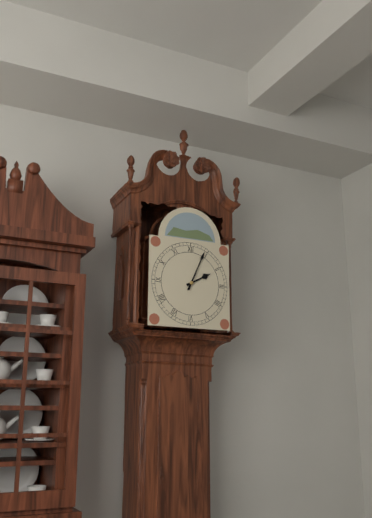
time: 2:04
